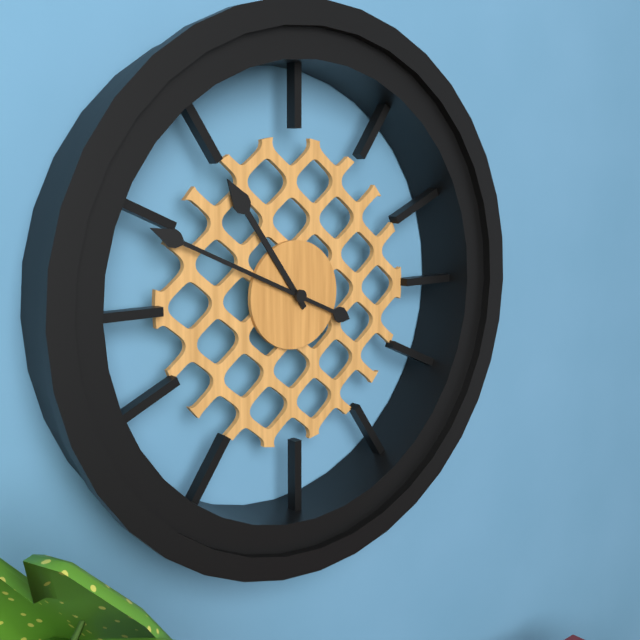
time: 10:49
